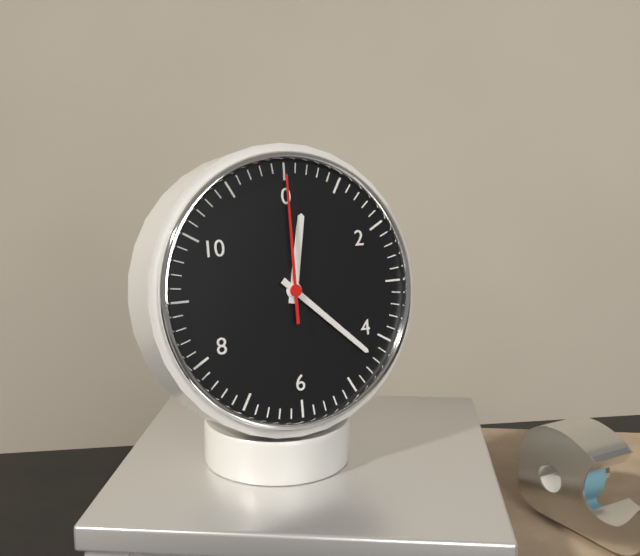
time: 12:22:00
